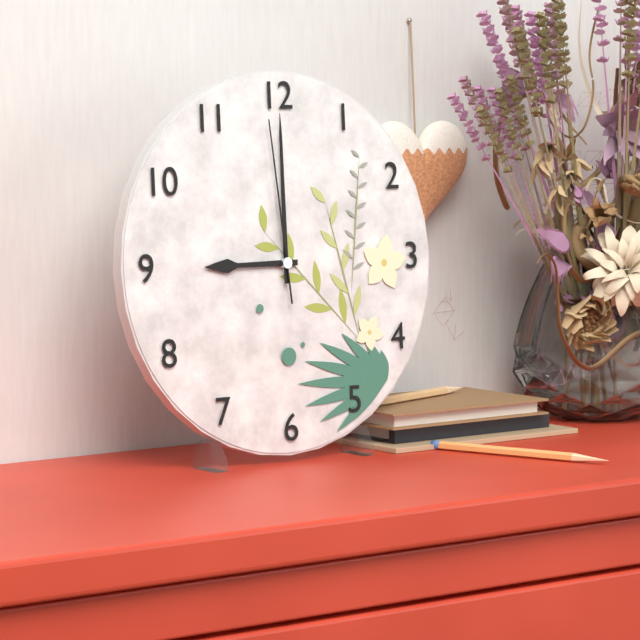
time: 9:00:59
